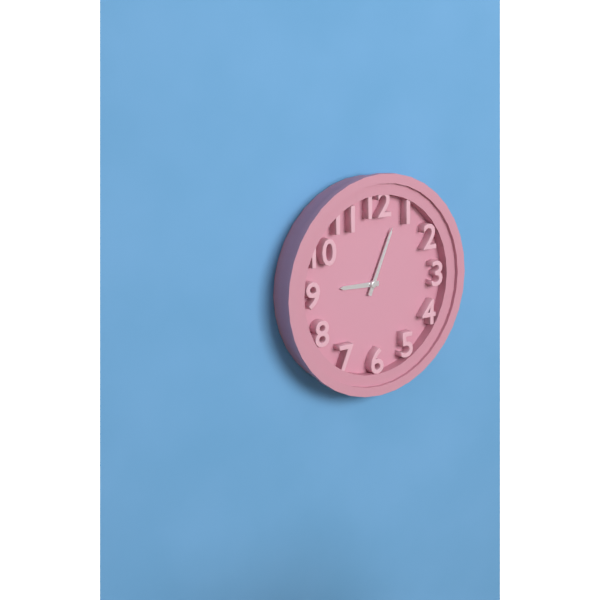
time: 9:04
